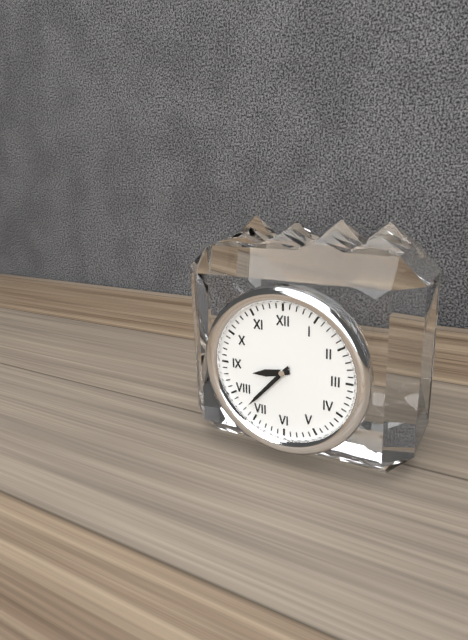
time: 8:37
